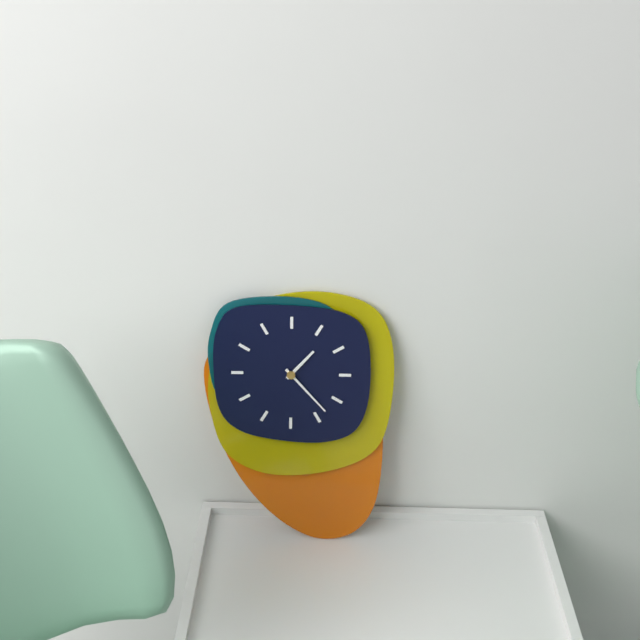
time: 1:23
